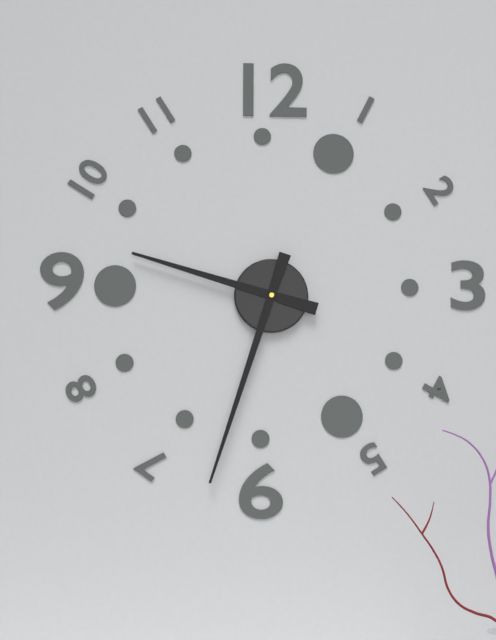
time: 9:33
